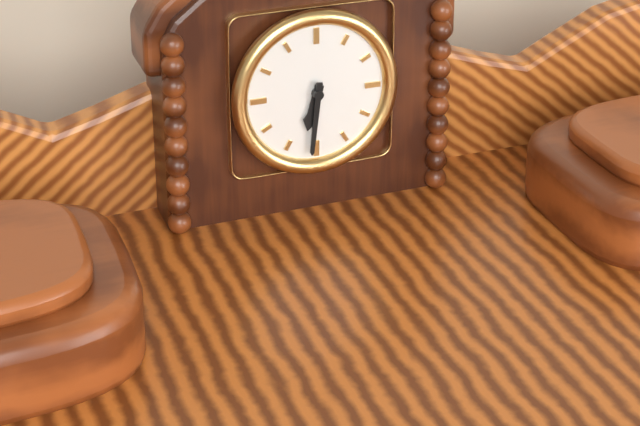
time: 6:31
